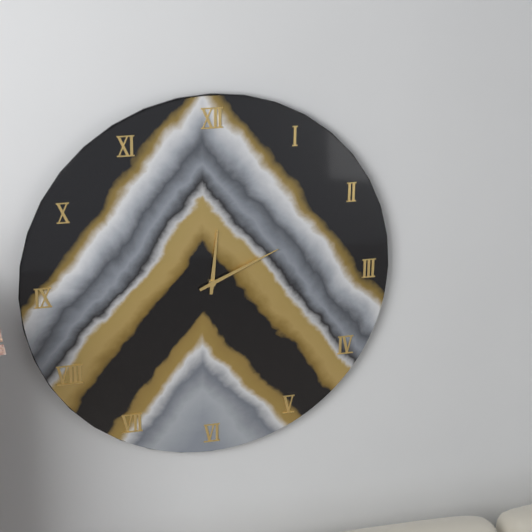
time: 12:11
